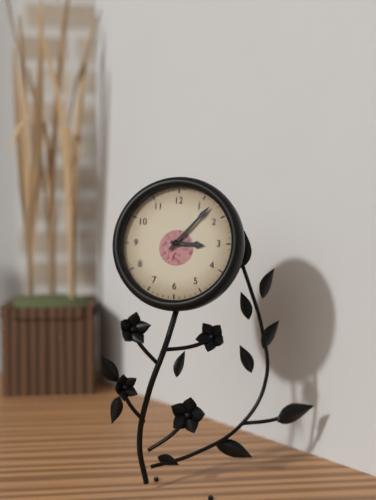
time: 3:07
